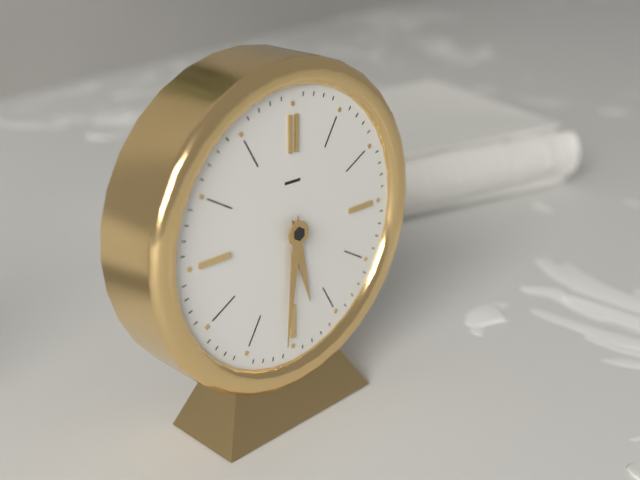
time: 5:31
